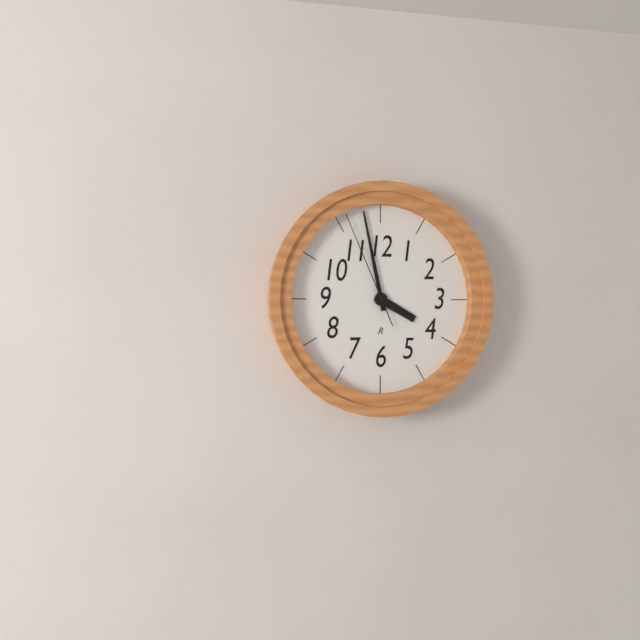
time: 3:58:56
